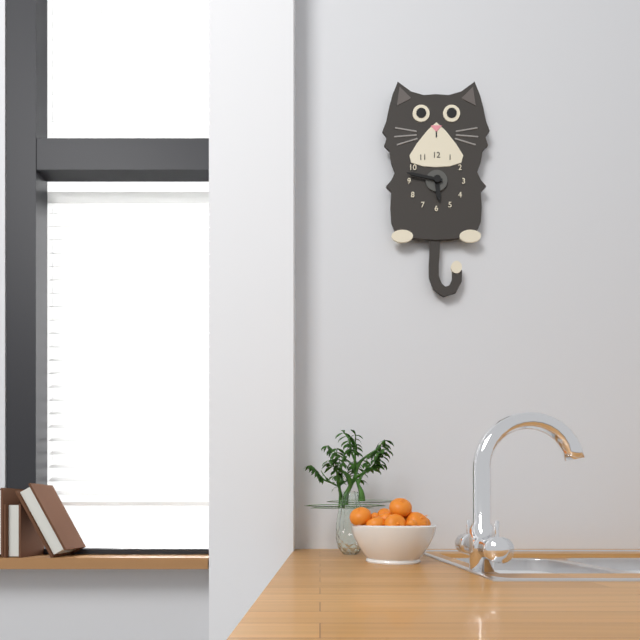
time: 5:47
